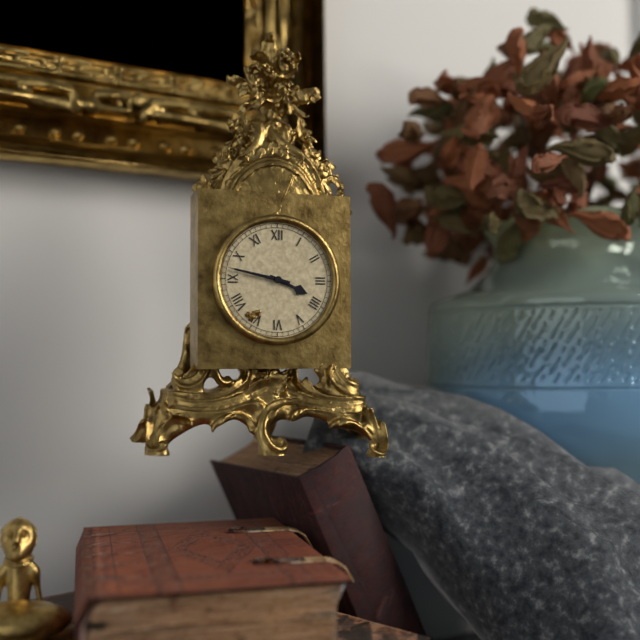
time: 3:47
